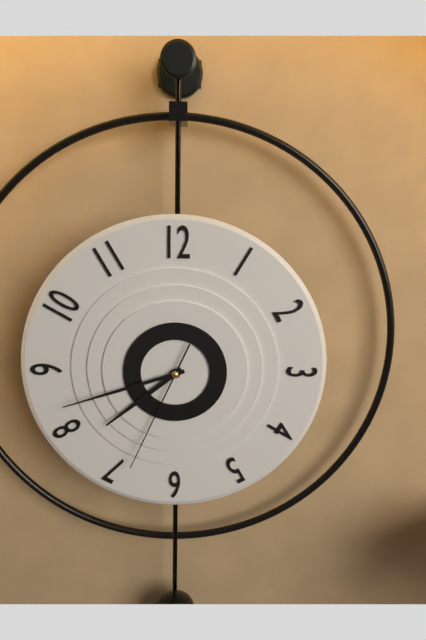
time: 7:42:34
